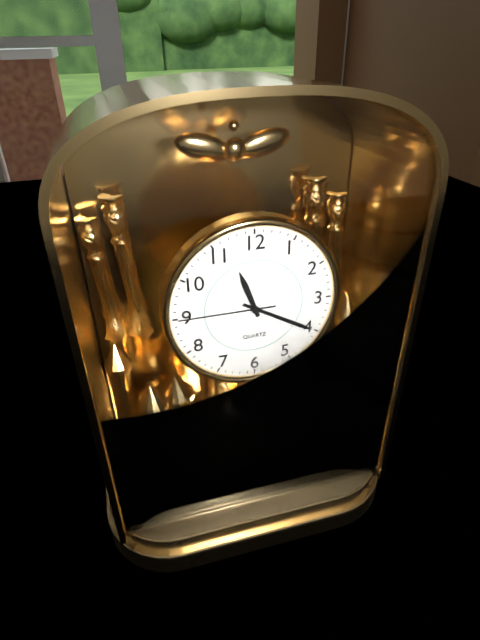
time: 11:20:45
